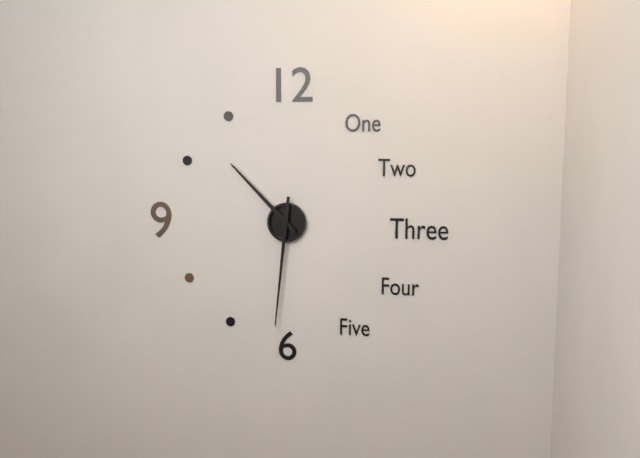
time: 10:31
